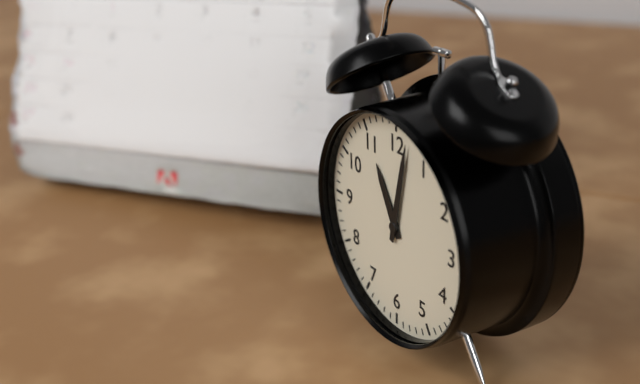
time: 11:02
